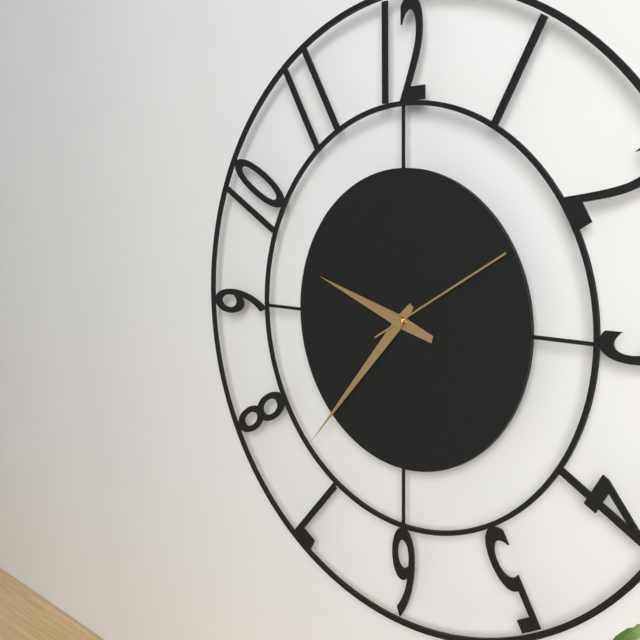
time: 9:37:10
